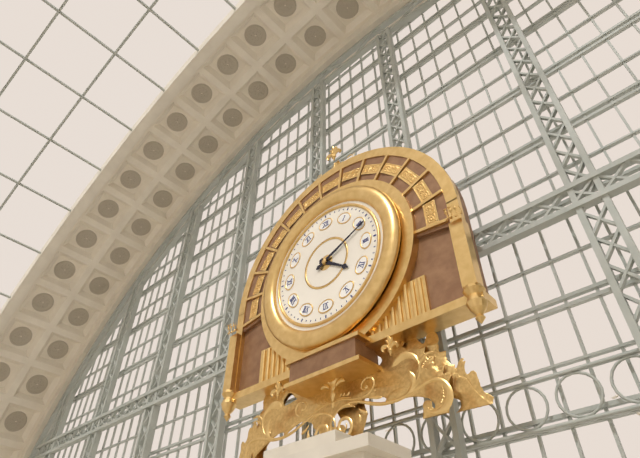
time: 4:11
